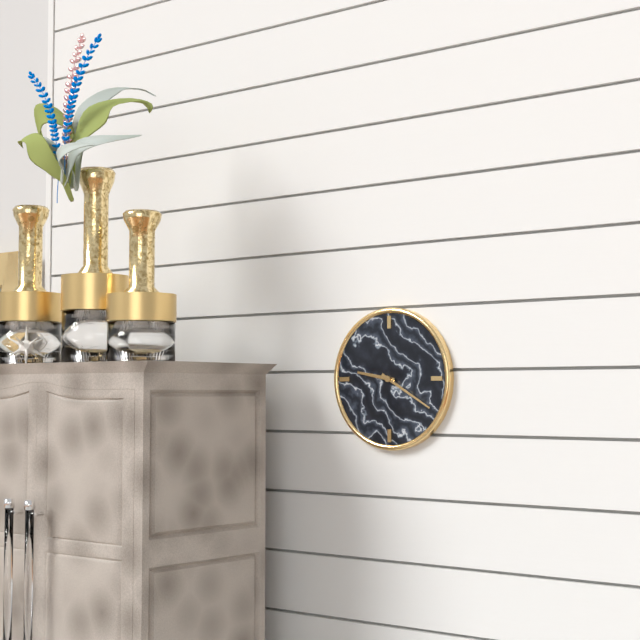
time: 9:20
